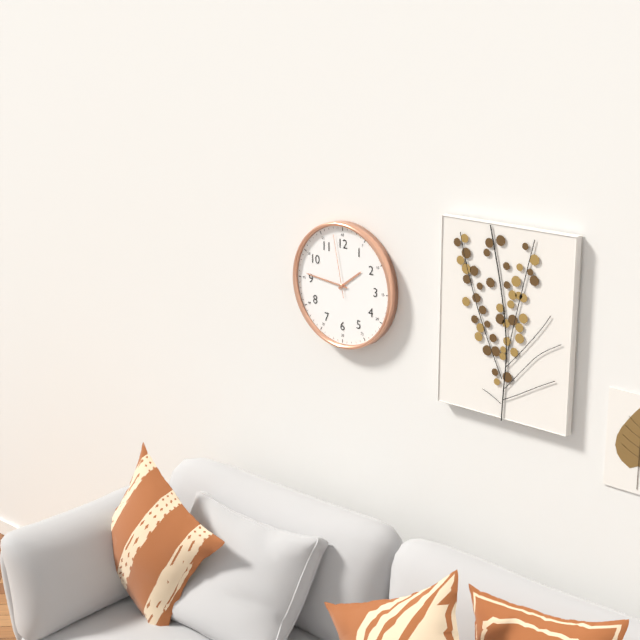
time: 1:46:58
